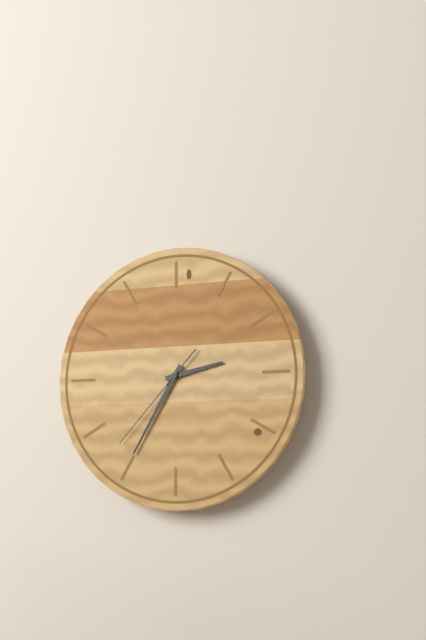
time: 2:35:37
